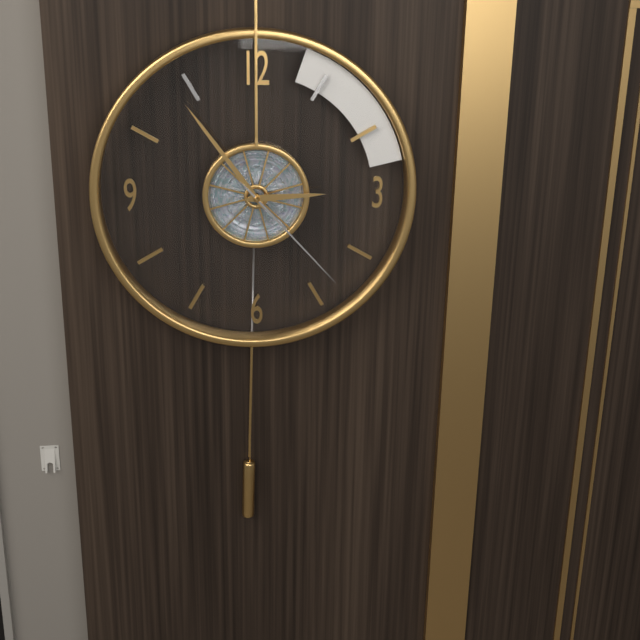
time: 2:54:23
